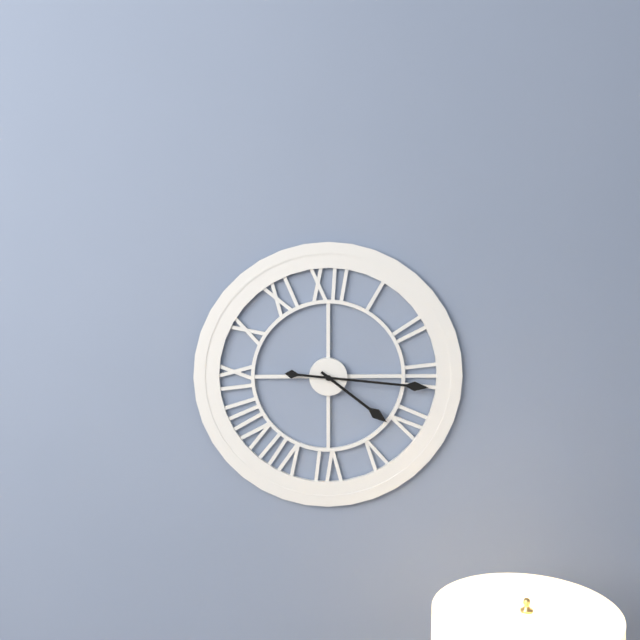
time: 4:16
